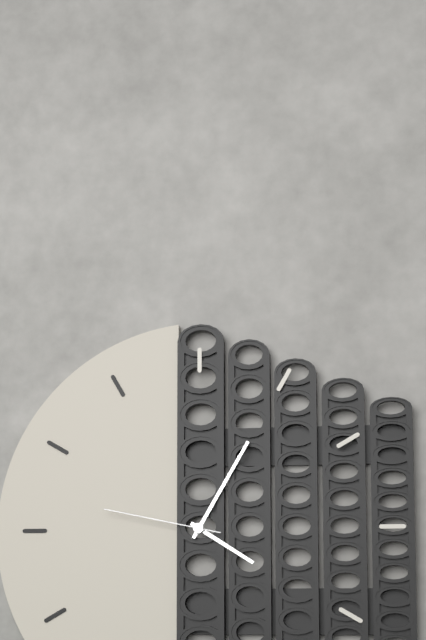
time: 4:05:47
